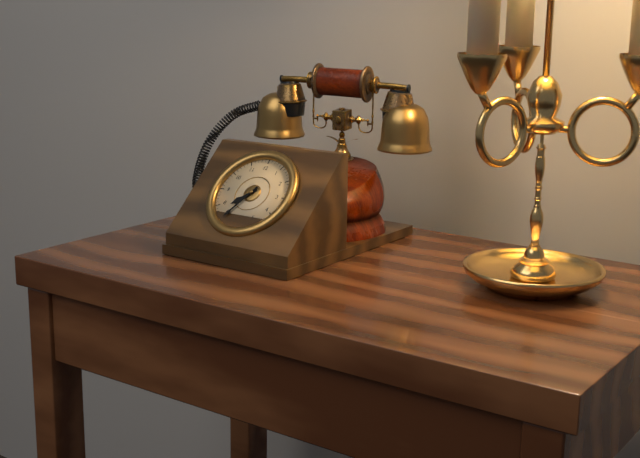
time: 7:35
